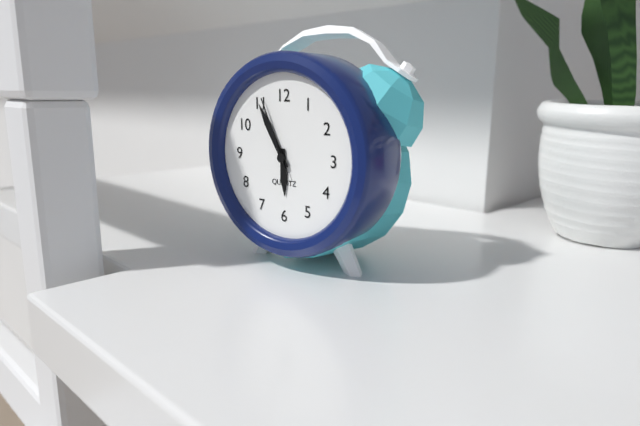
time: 5:55:56
